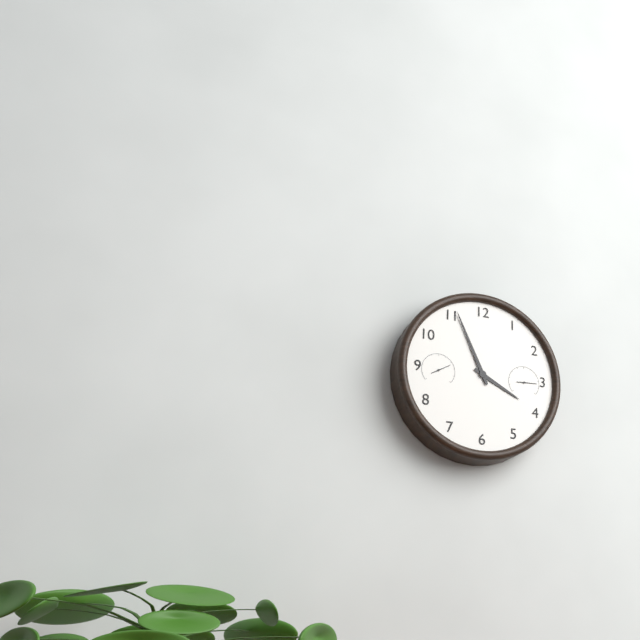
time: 3:56
